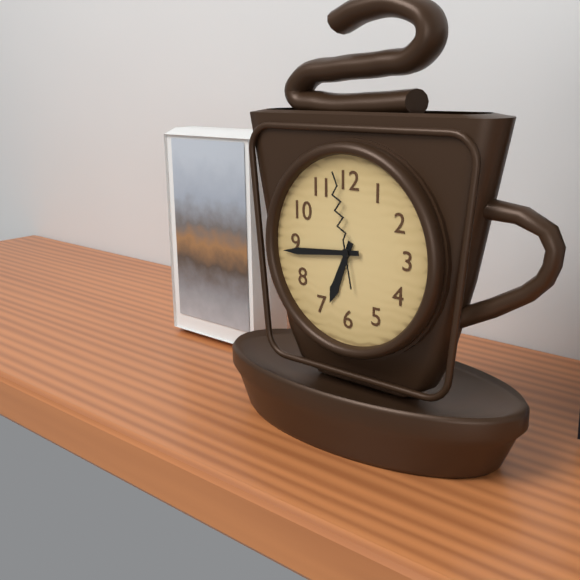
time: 6:44:58
